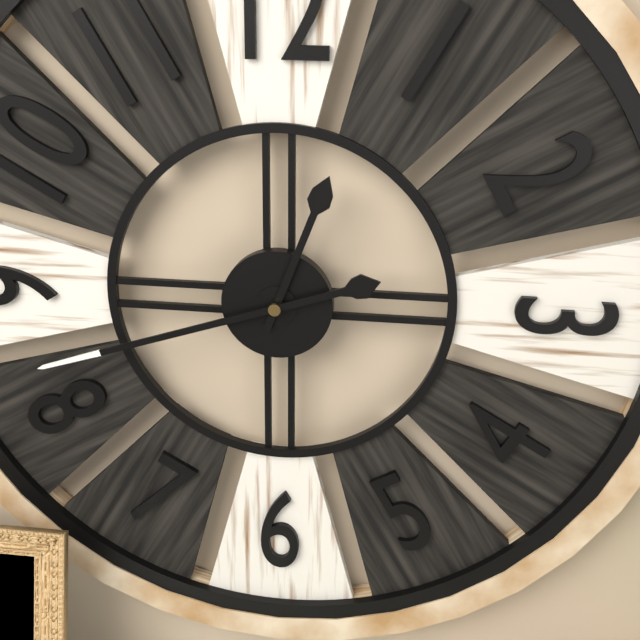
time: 12:42
